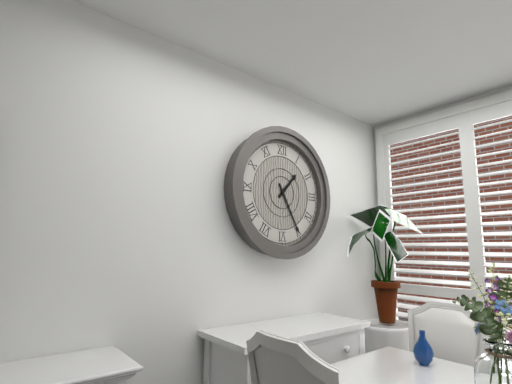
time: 1:25
